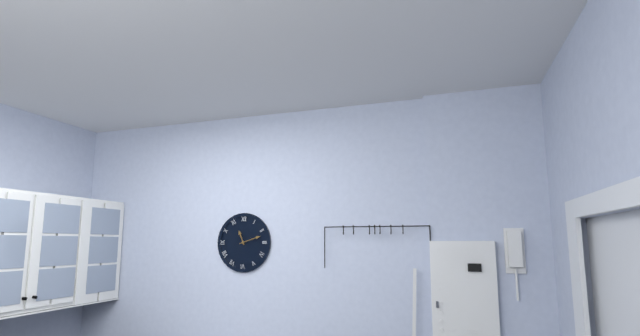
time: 11:12
